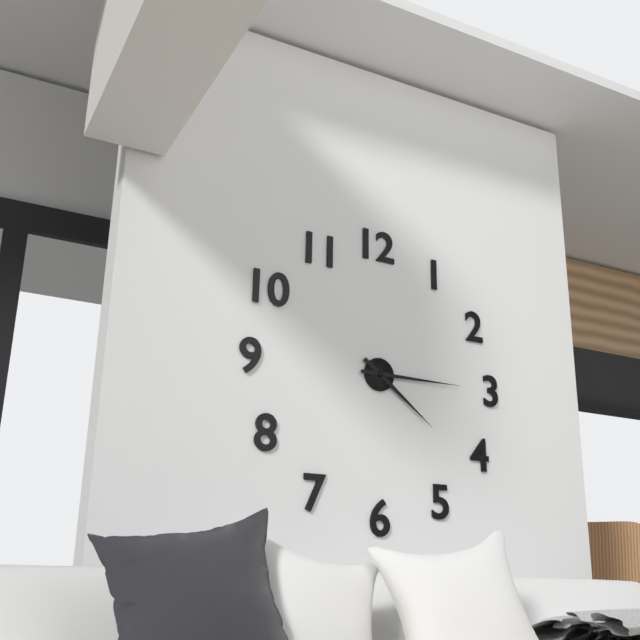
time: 4:15
